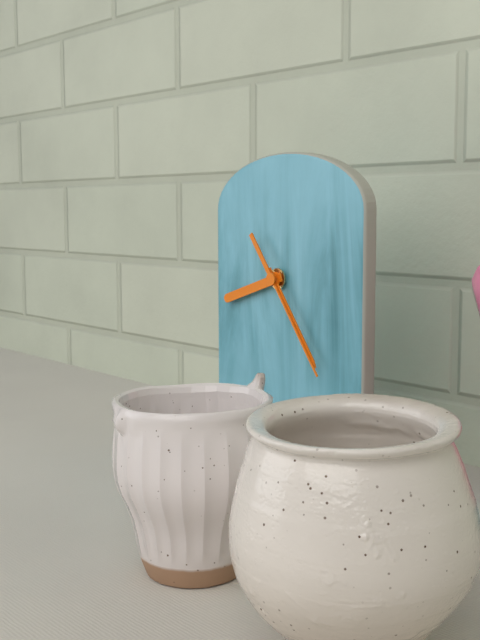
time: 8:24:24
